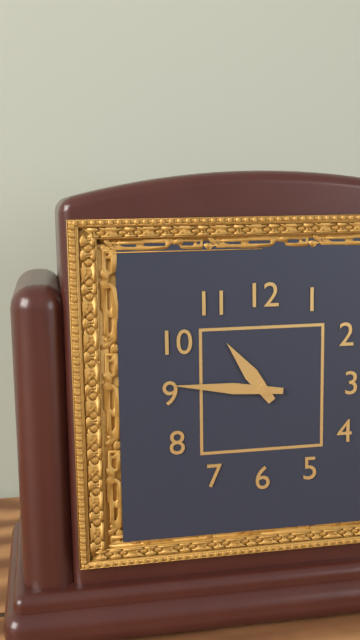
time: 10:46
